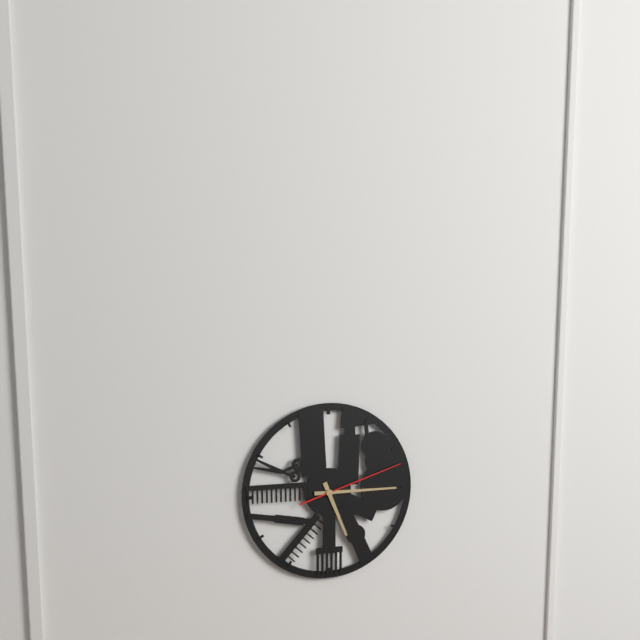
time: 5:15:12
